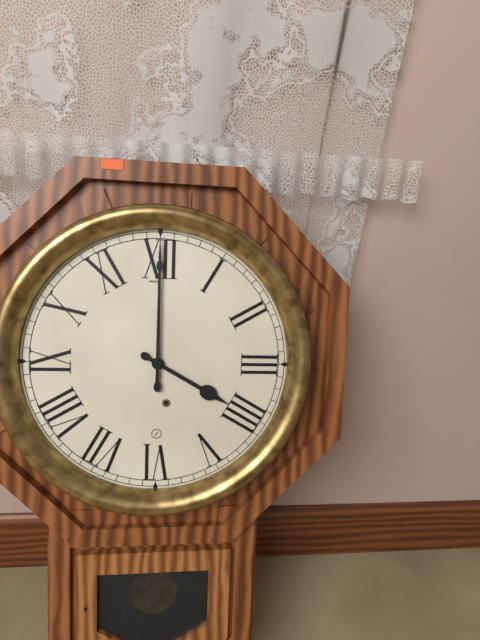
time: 4:00
